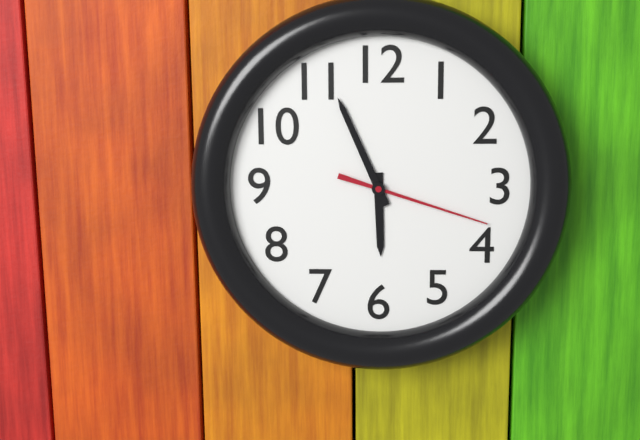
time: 5:56:18
